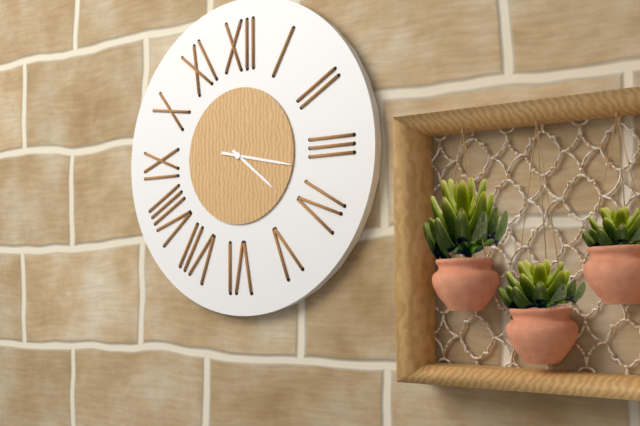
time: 4:17
